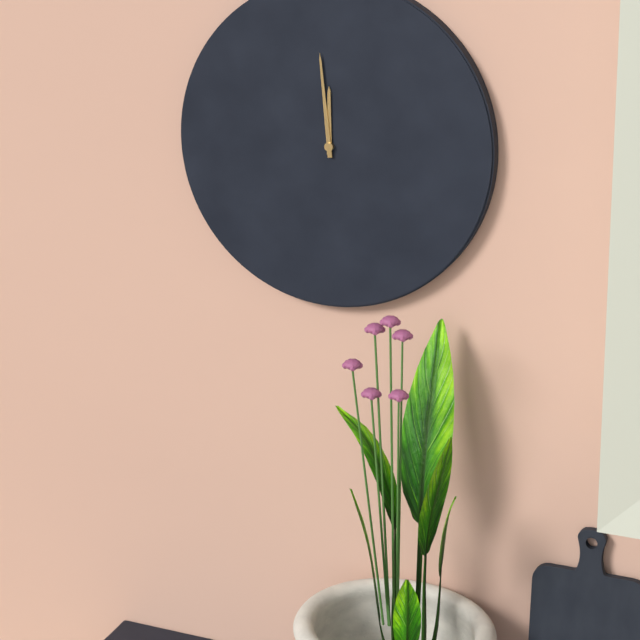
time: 11:59
